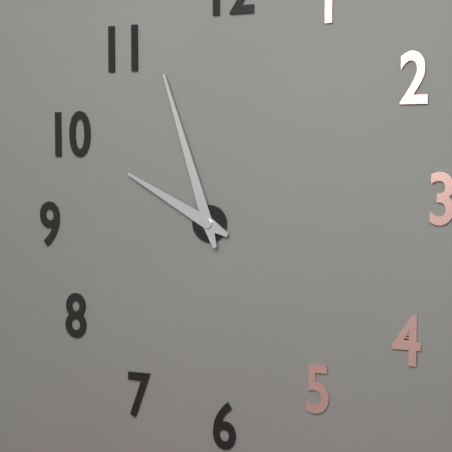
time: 9:57
